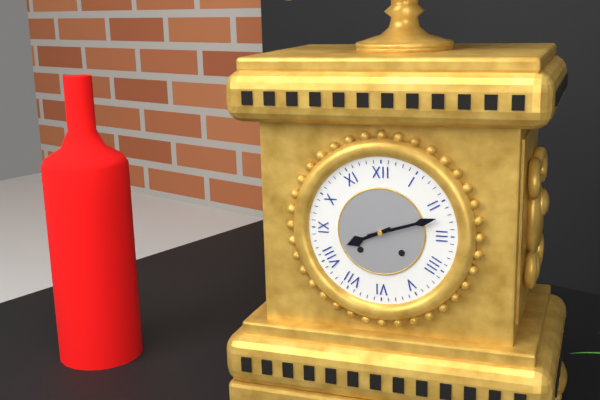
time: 8:12
